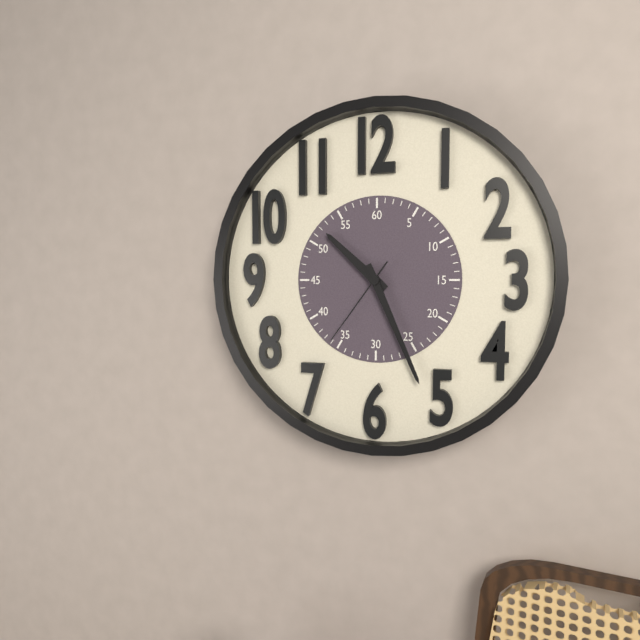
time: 10:26:36
